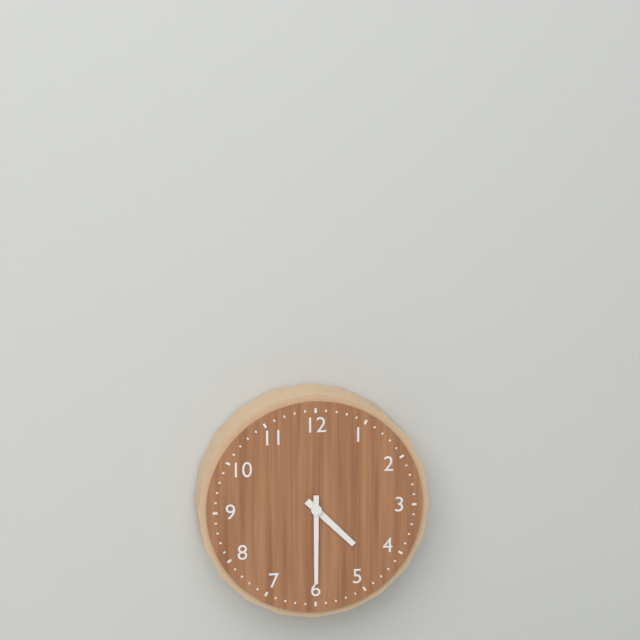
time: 4:30
